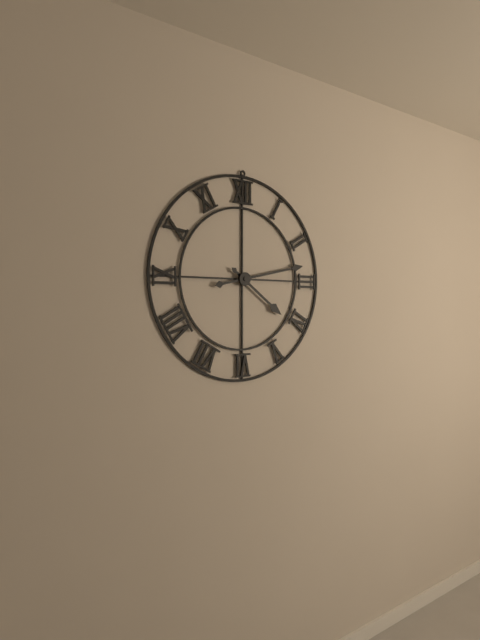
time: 4:13
